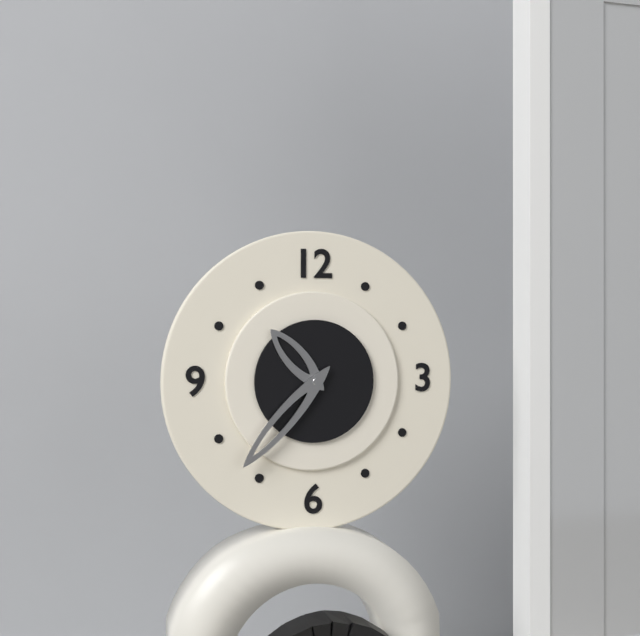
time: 10:37
